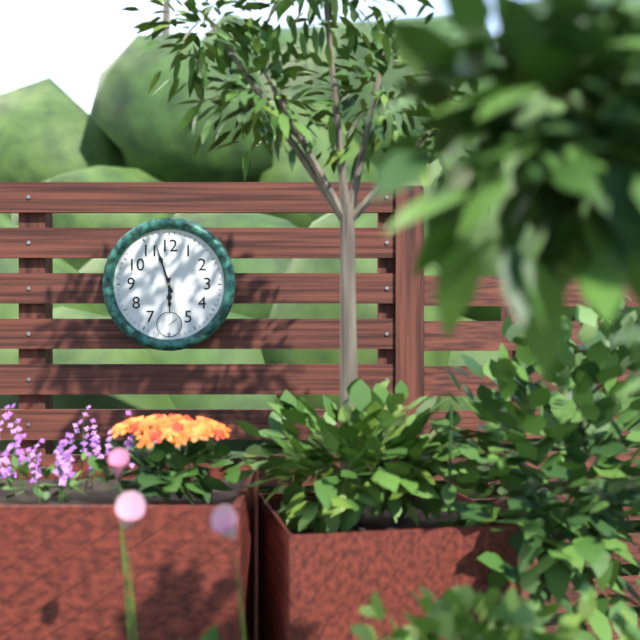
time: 5:57
